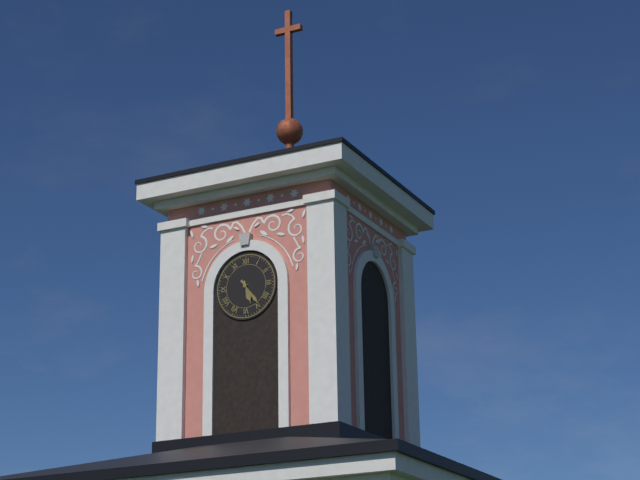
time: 5:24
